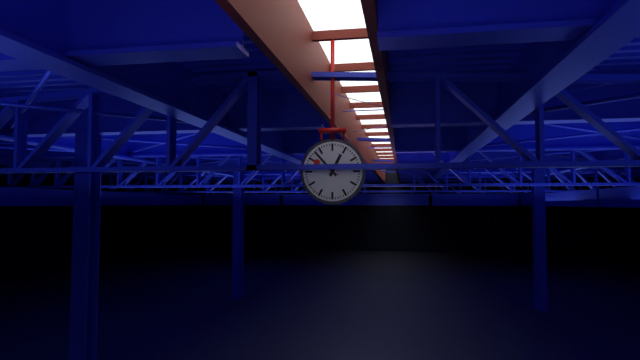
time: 12:53
